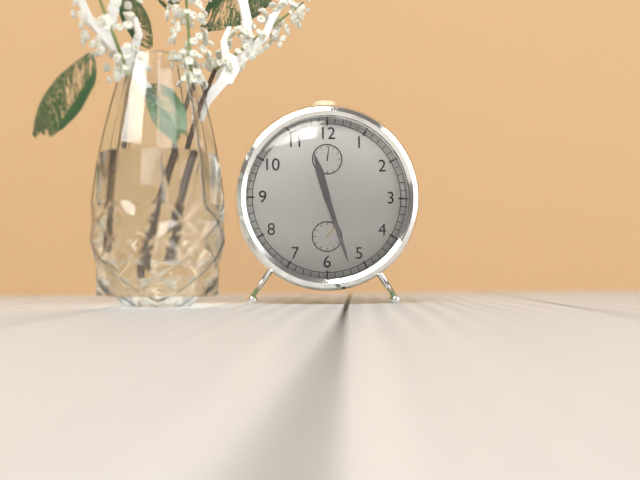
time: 11:27
